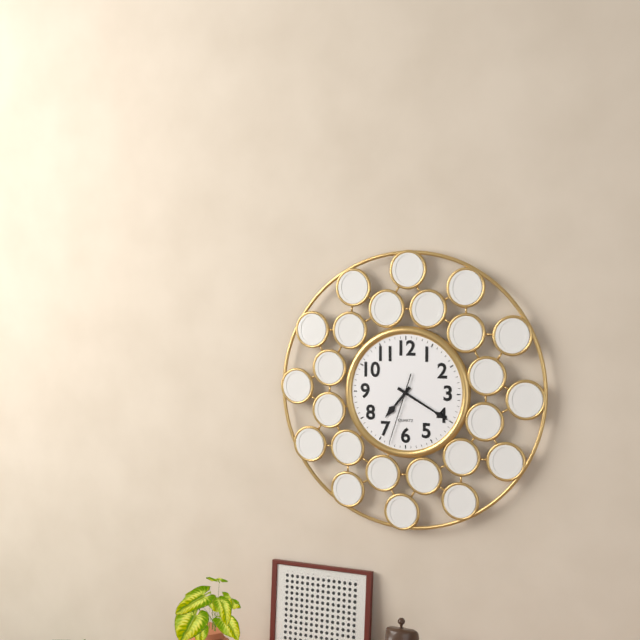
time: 7:20:33
